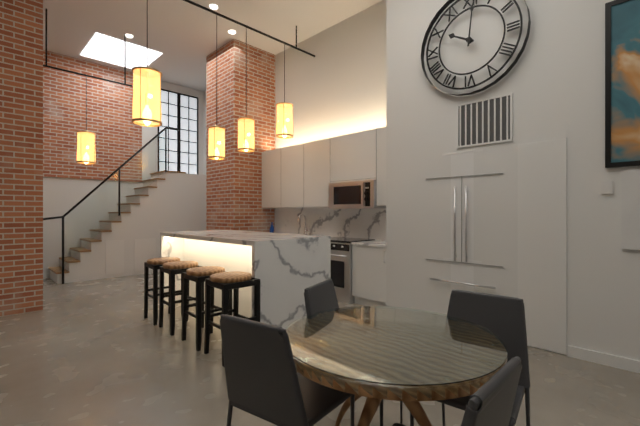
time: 10:01
